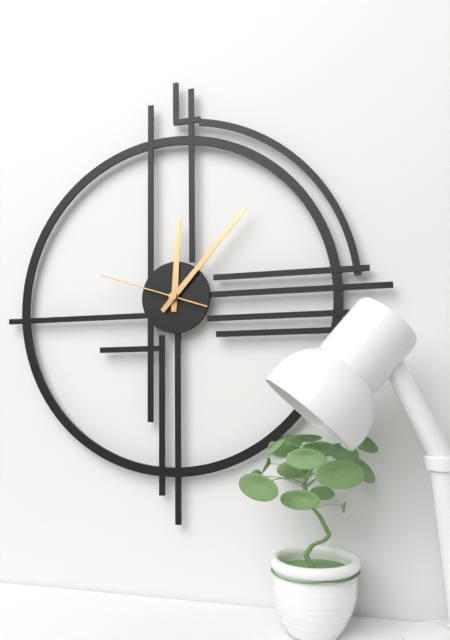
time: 12:07:48
